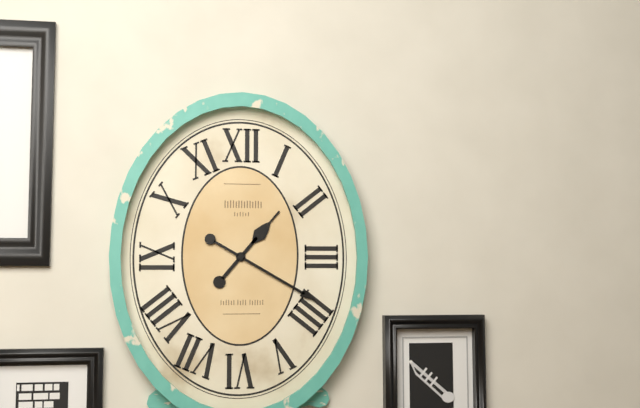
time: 1:20
